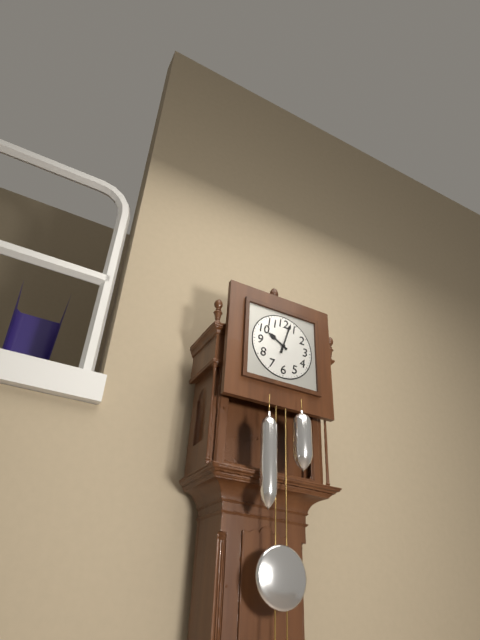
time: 10:03
